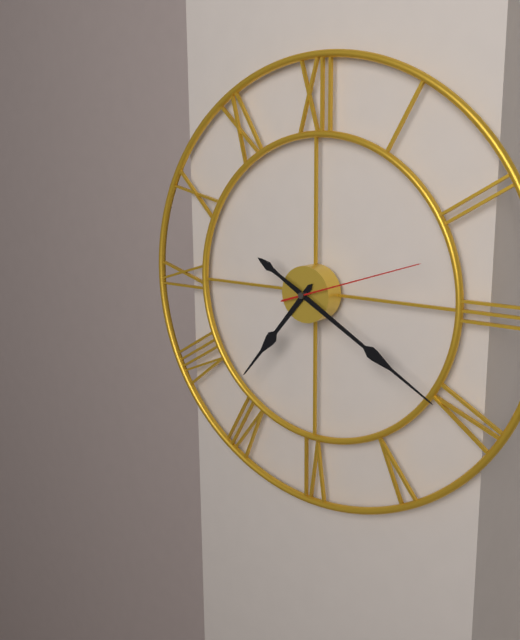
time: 7:20:12
